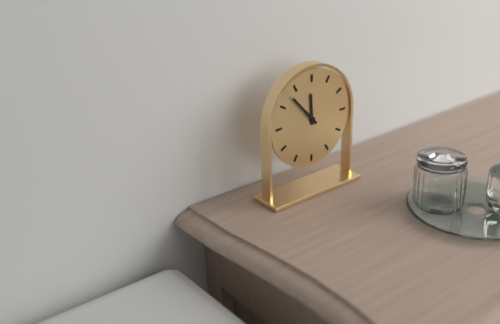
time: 11:53
